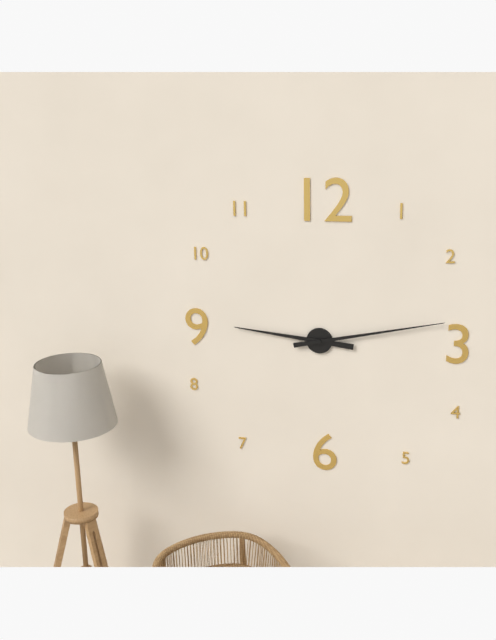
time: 9:13
